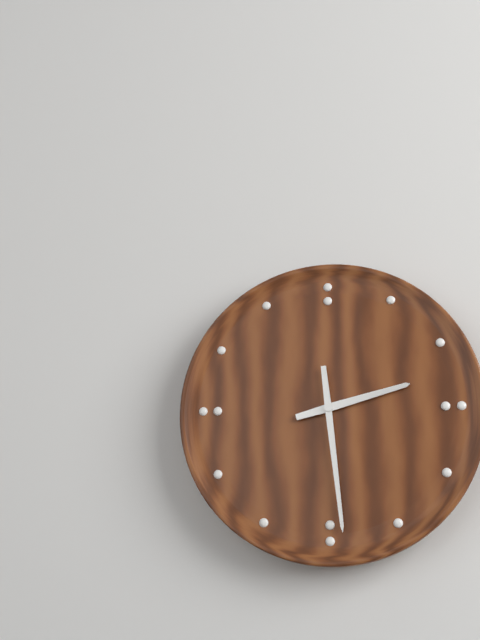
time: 2:29
